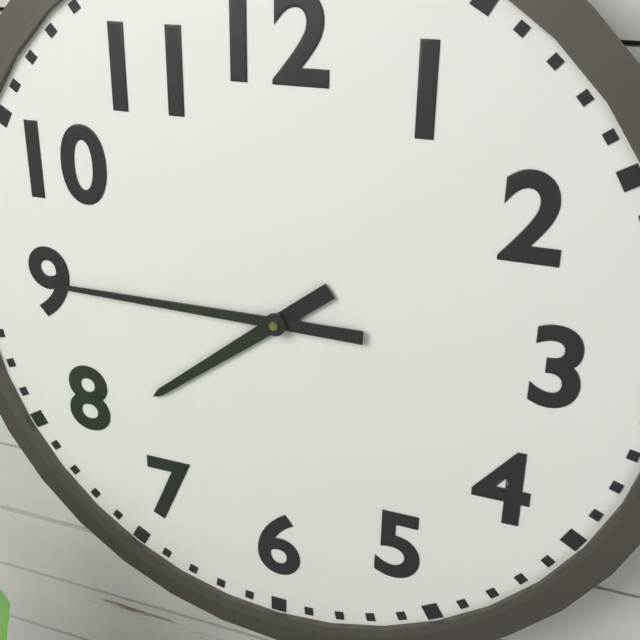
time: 7:45
